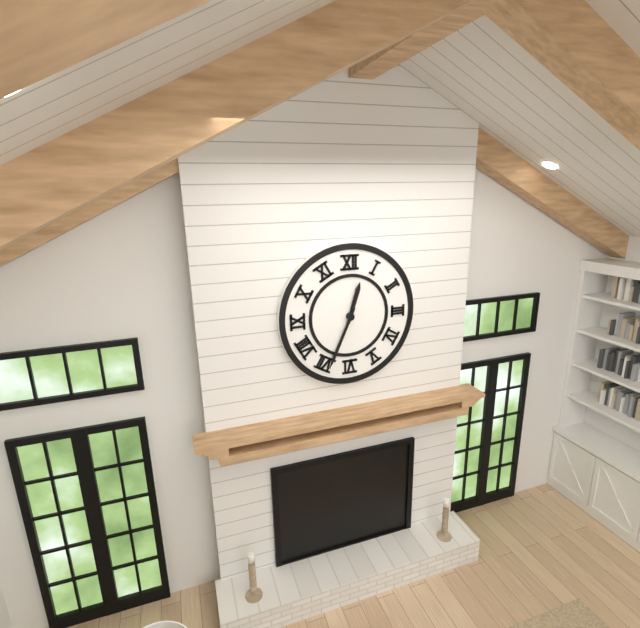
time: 12:34
